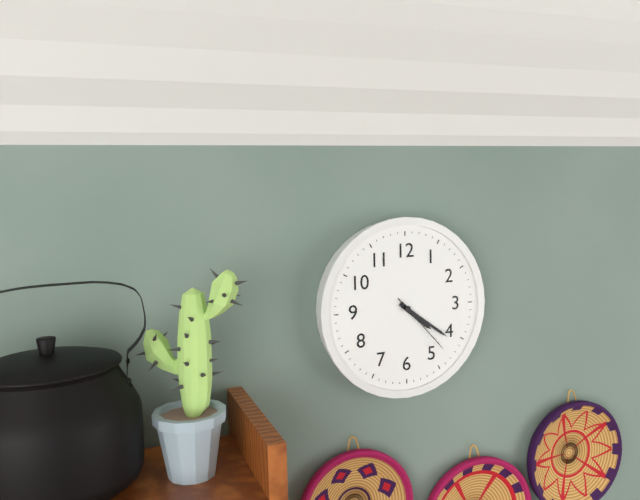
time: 4:21:23
